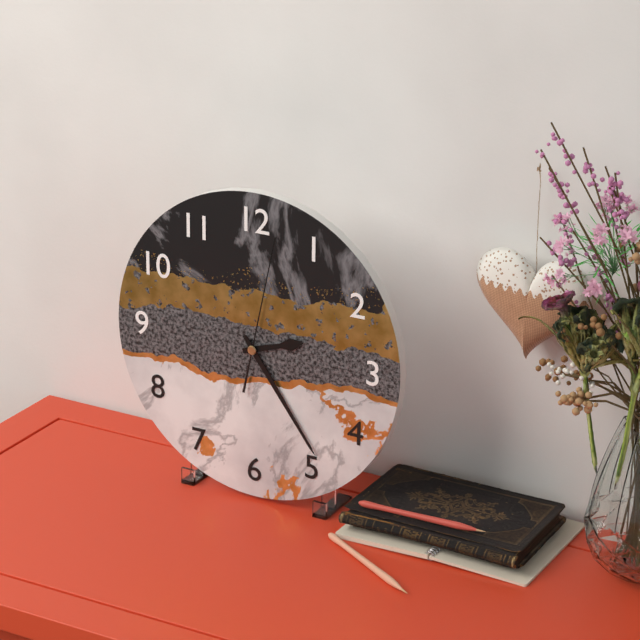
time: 2:24:02
